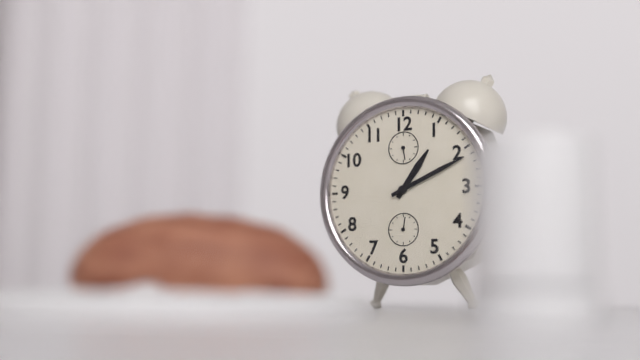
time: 1:11
